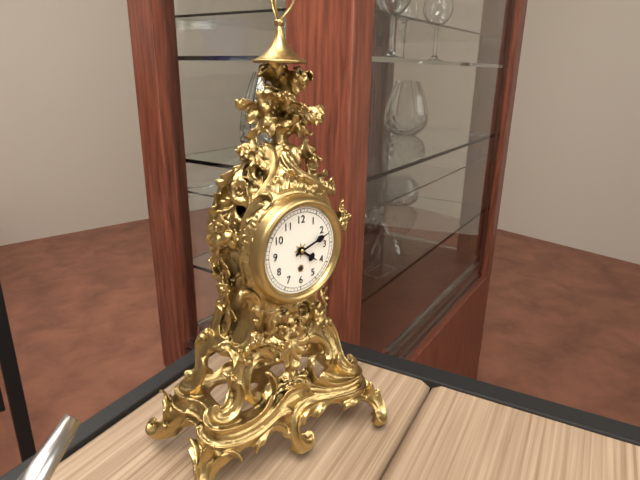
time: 4:12
